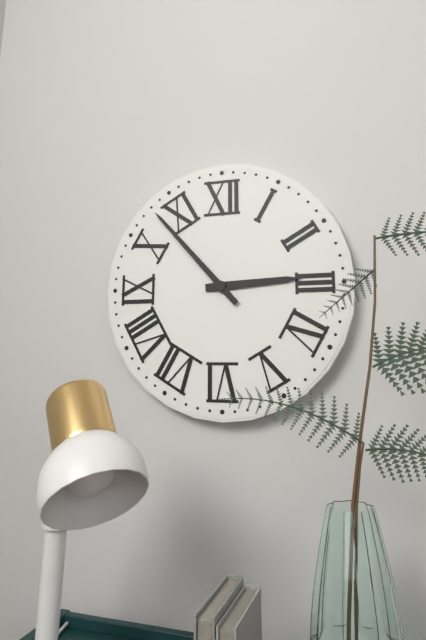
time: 2:53
